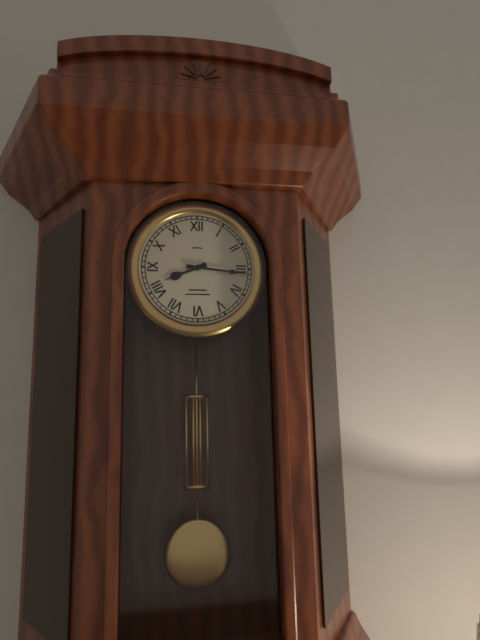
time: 8:16
